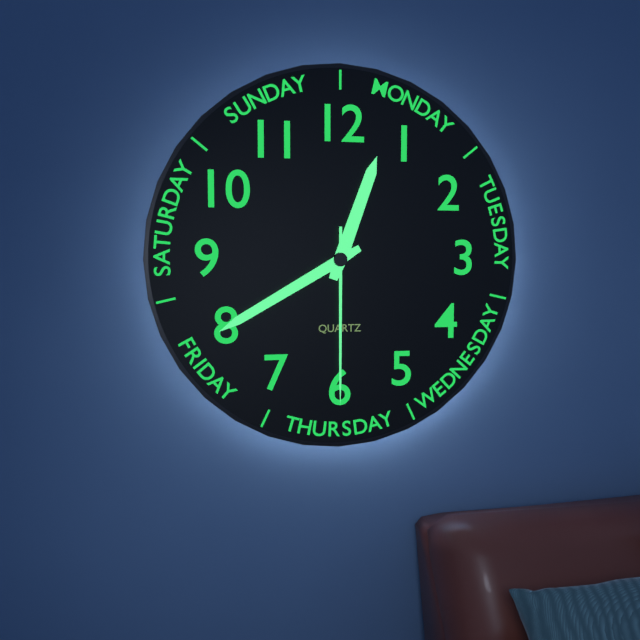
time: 12:40:30
